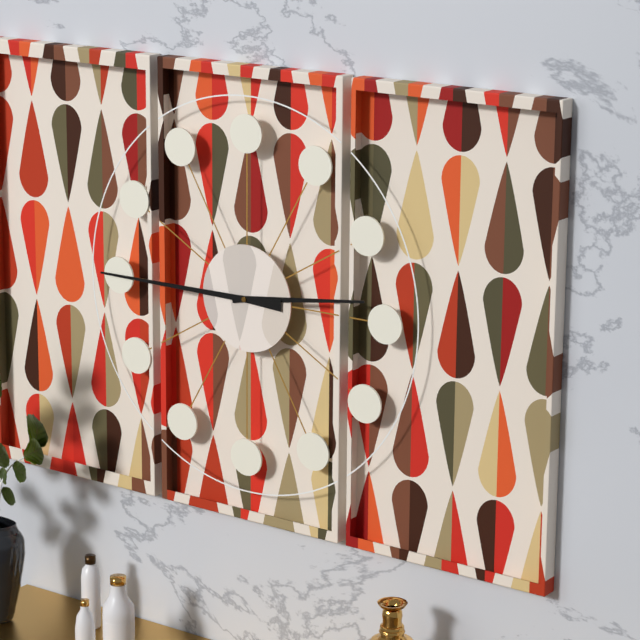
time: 2:45
